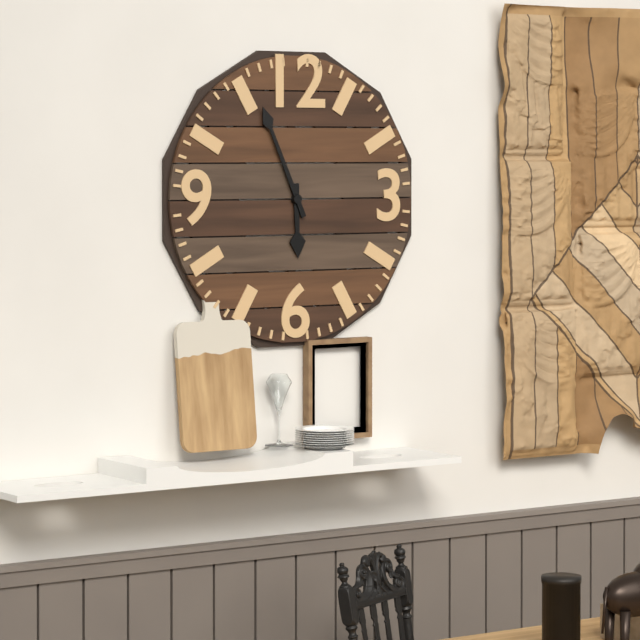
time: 5:56
